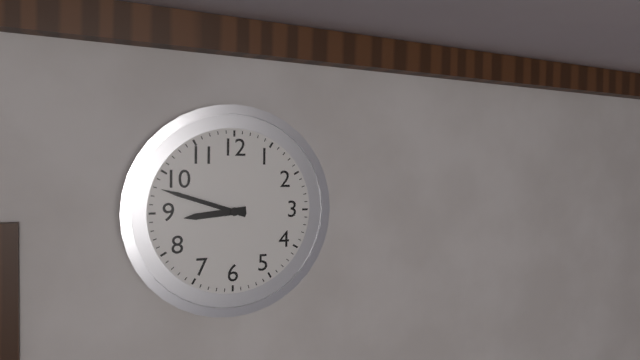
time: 8:48
